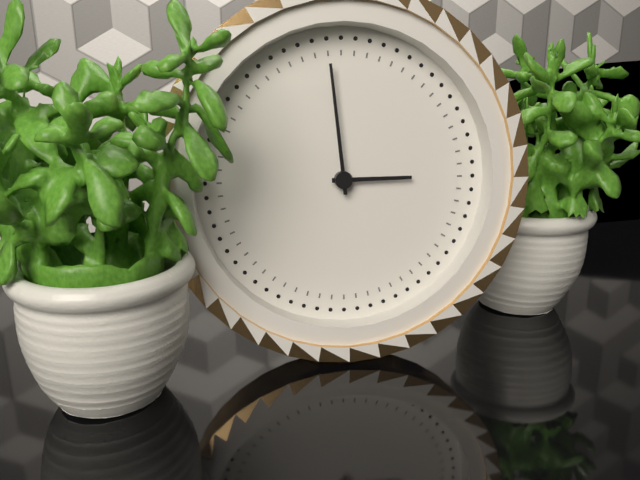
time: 2:59
